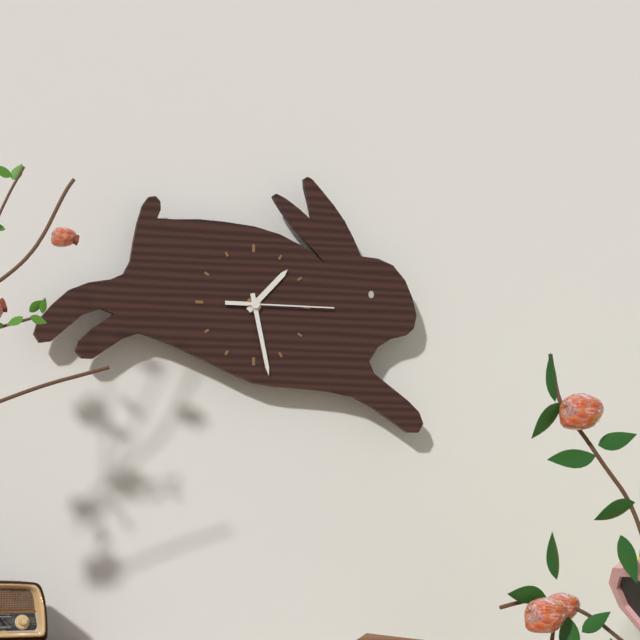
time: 1:28:15
